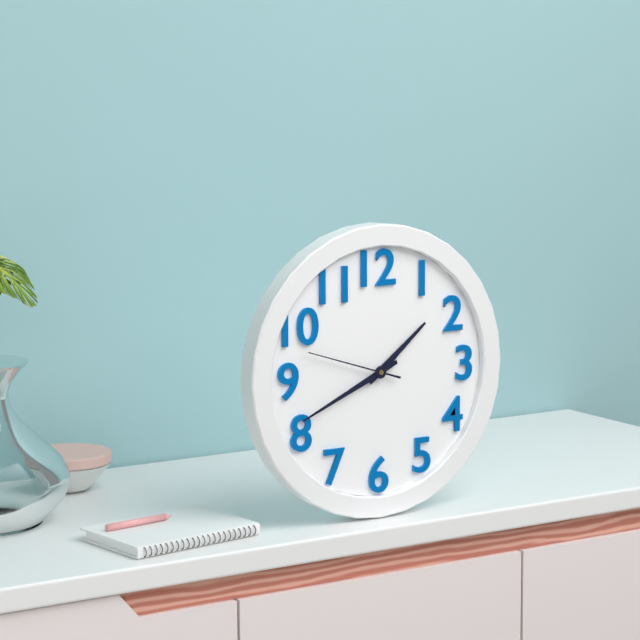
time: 1:41:48
